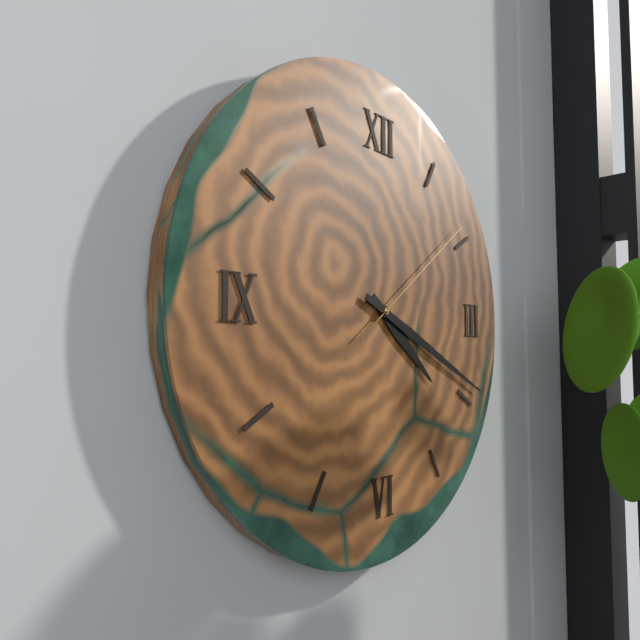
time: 4:19:09
